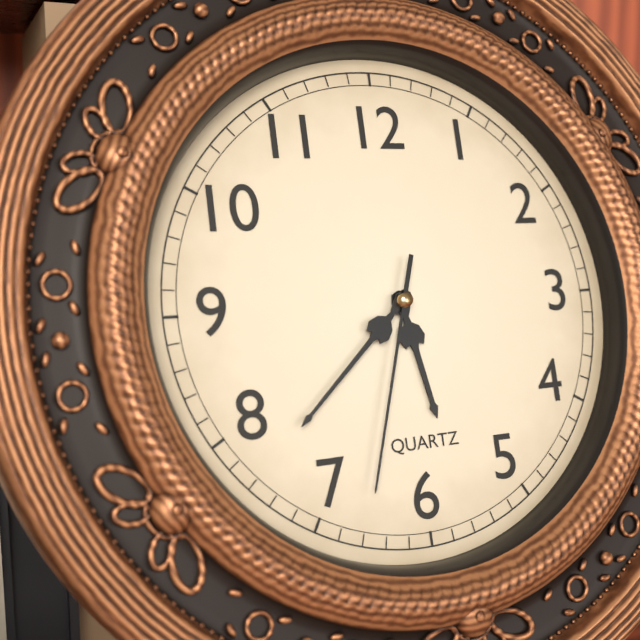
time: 5:38:33
